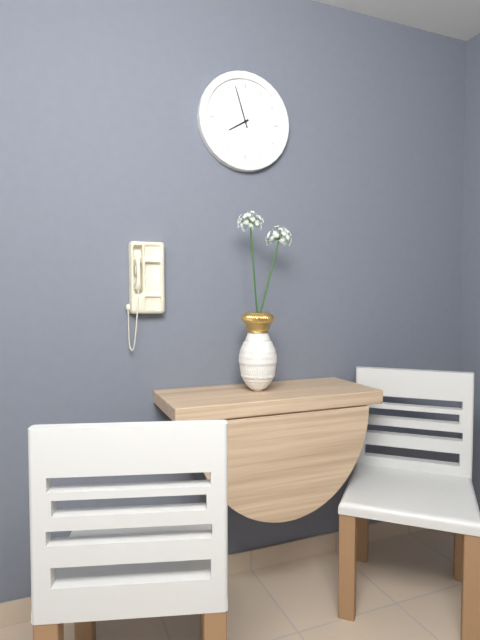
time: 7:57
